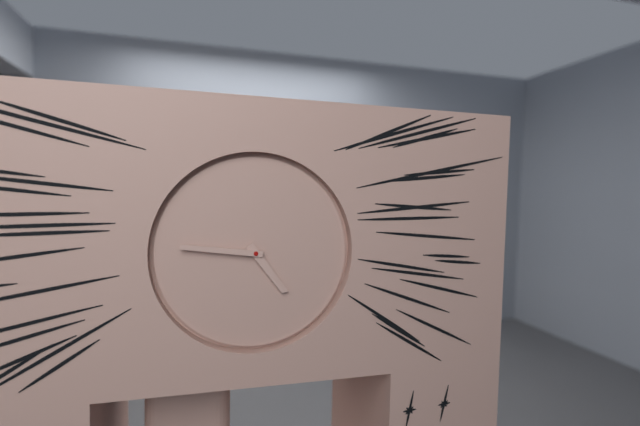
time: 4:46
